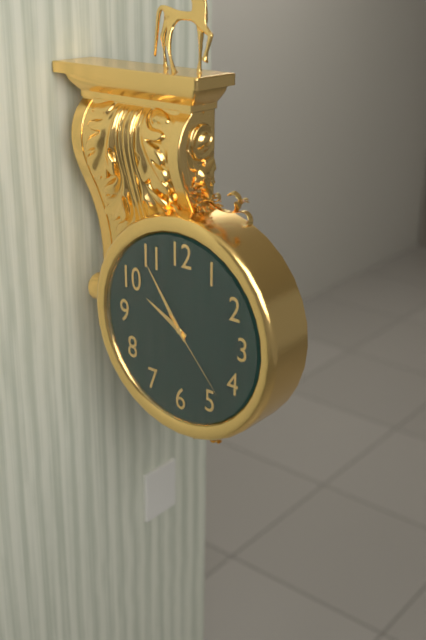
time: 9:54:23
